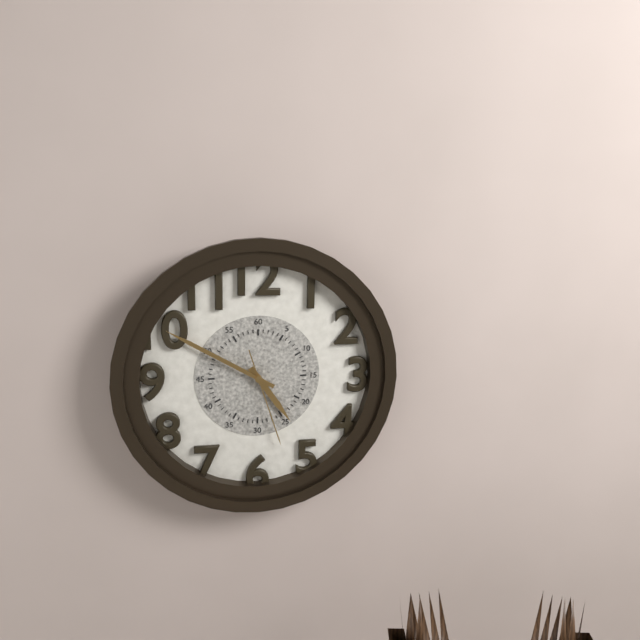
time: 4:50:27
